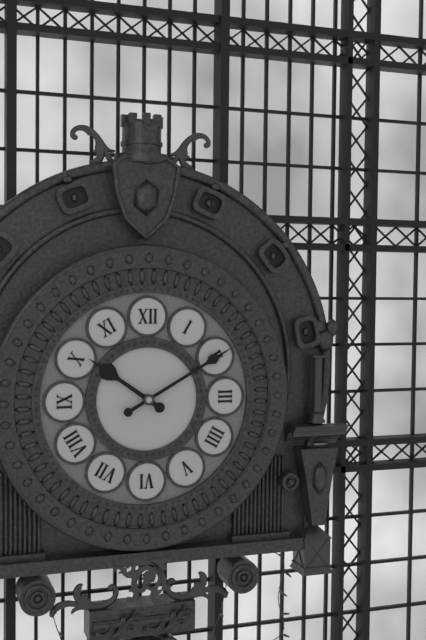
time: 10:10
